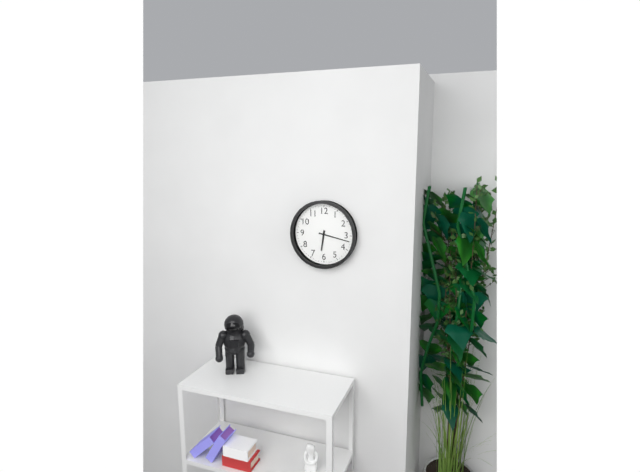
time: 6:17
